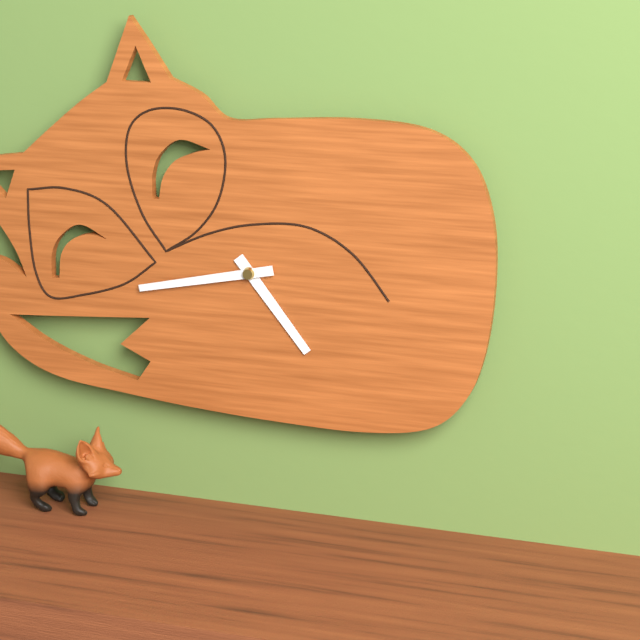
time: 4:43
